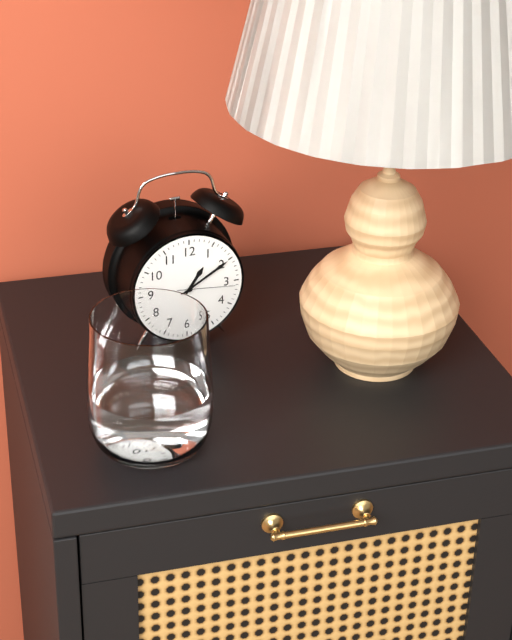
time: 1:10:16
